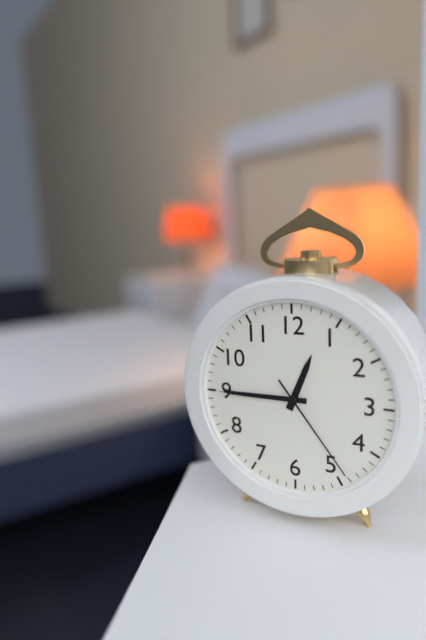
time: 12:45:24
